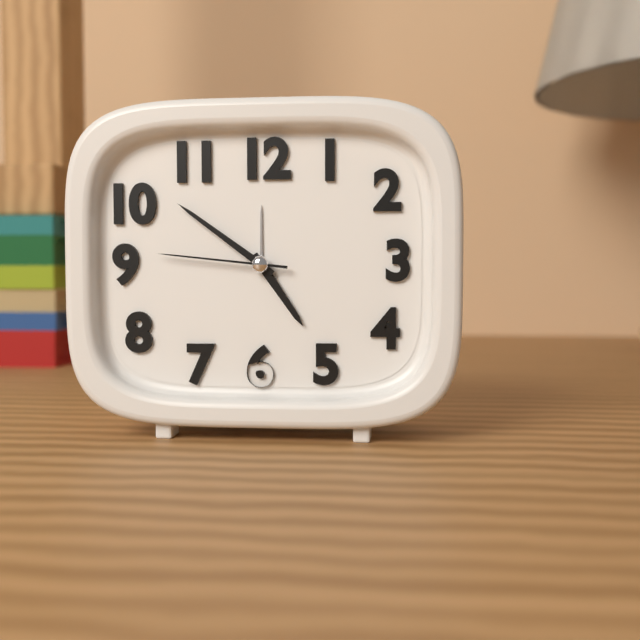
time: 4:51:46
